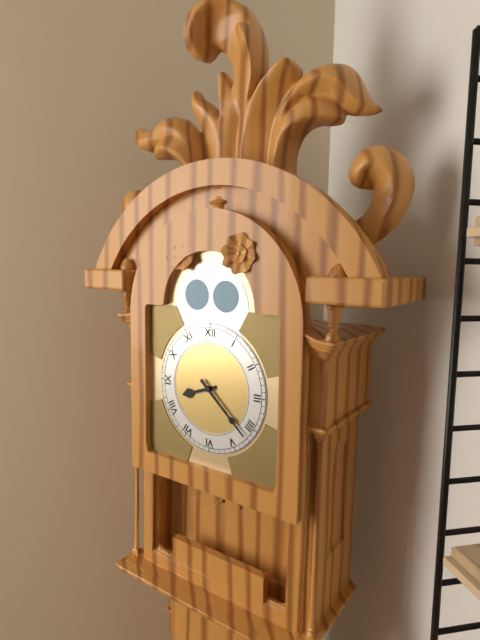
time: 8:22
